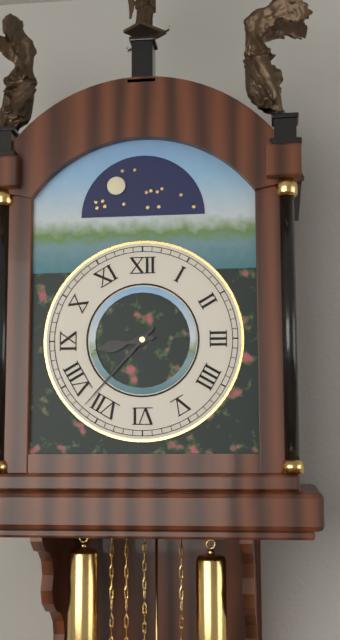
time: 8:37
